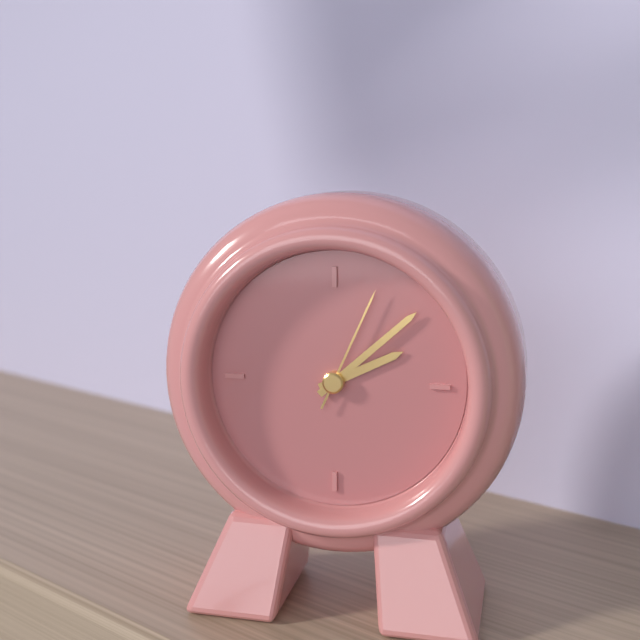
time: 2:08:04
